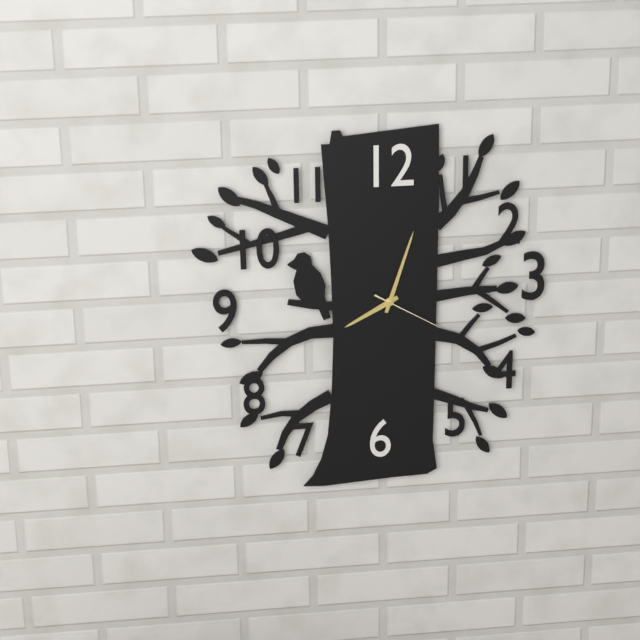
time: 8:03:20
